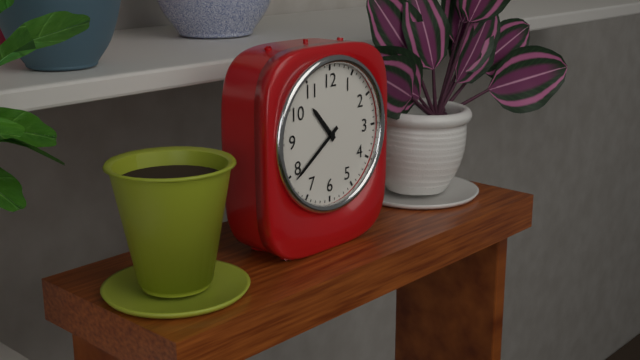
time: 10:39
